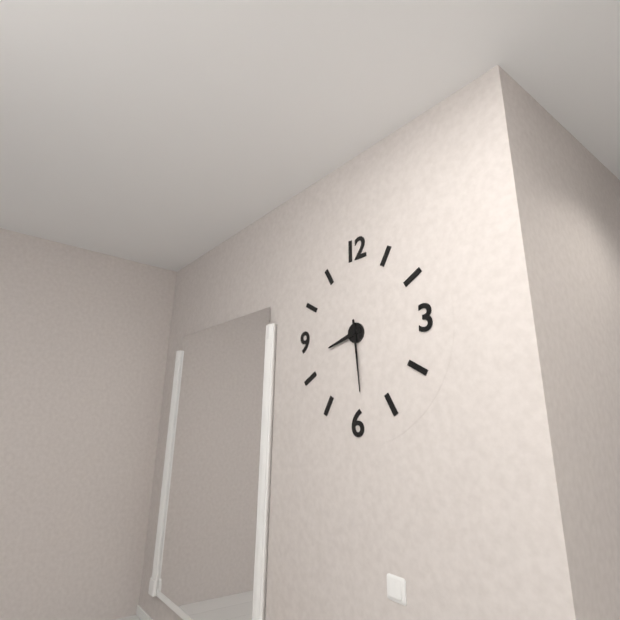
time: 8:29
